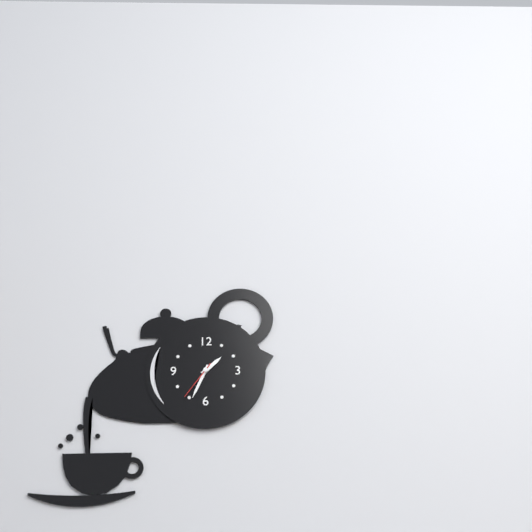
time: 1:34
